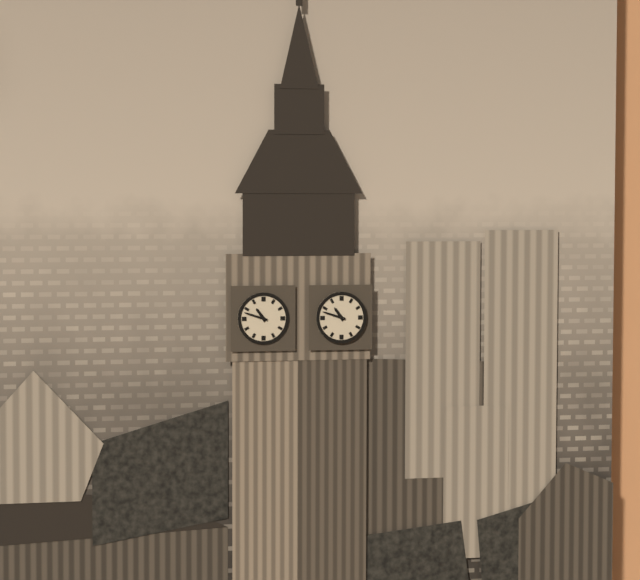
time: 10:48
